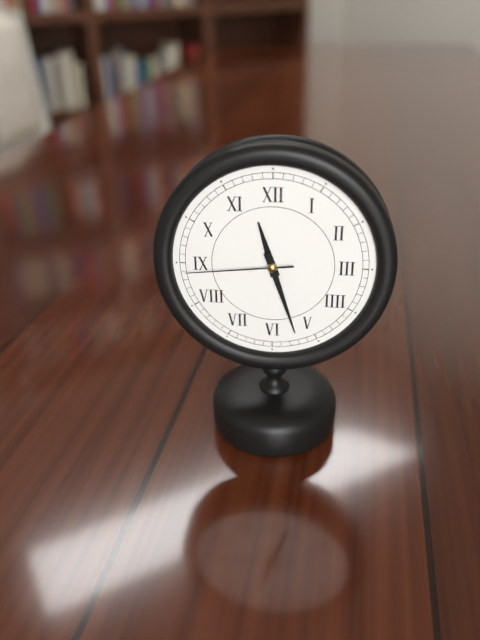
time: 11:27:44
